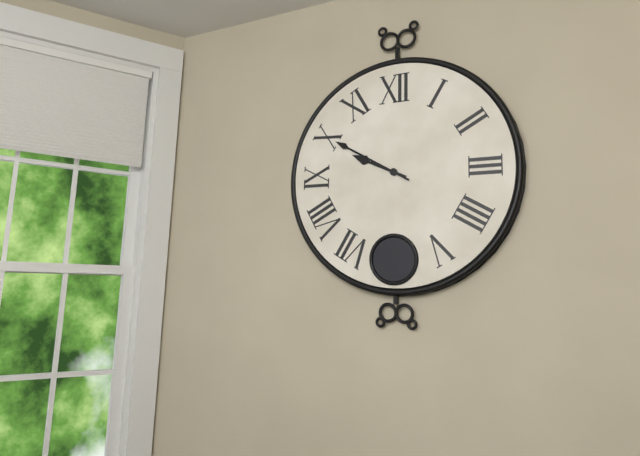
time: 9:50
